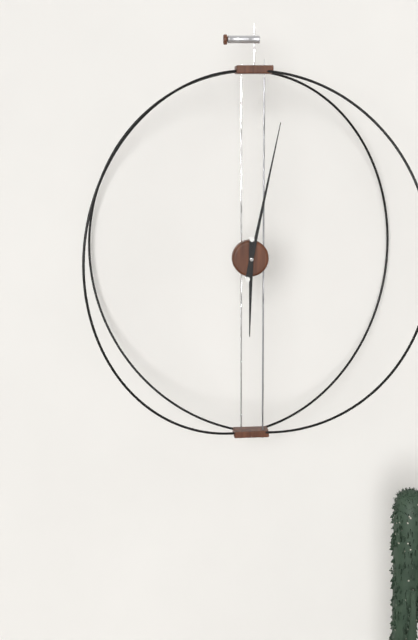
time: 6:02
